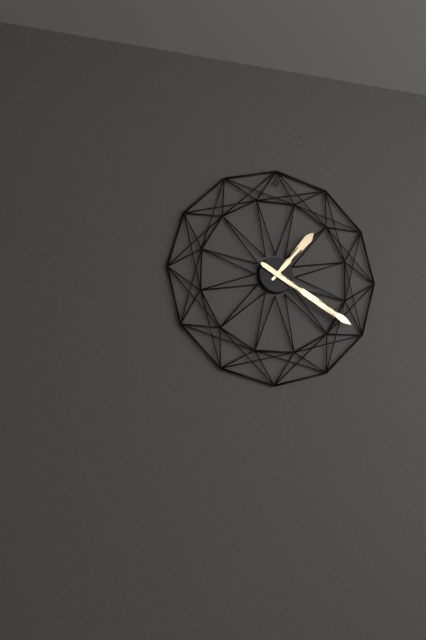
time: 1:20
